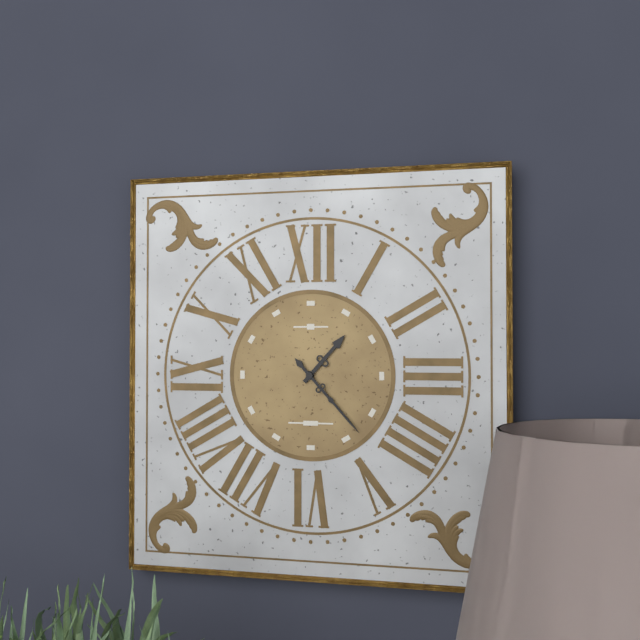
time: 1:23
